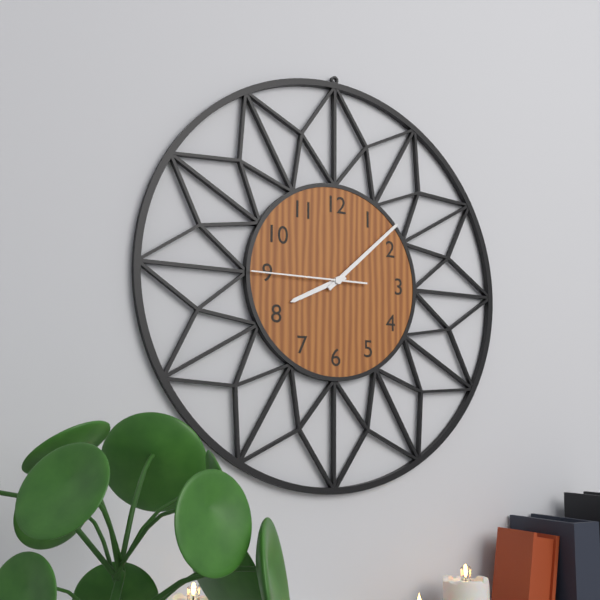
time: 8:08:45
